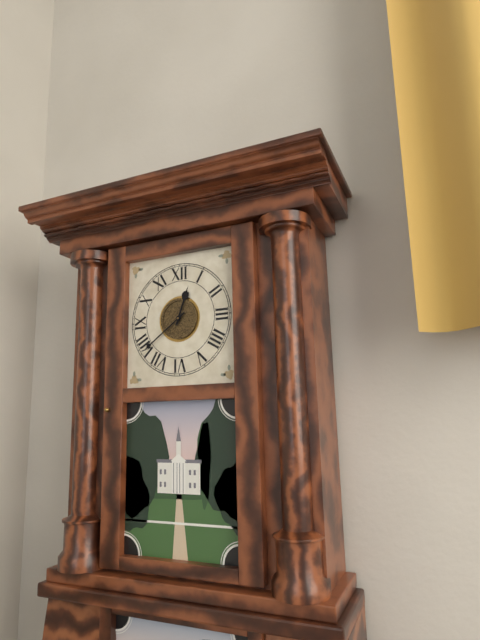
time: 12:39
